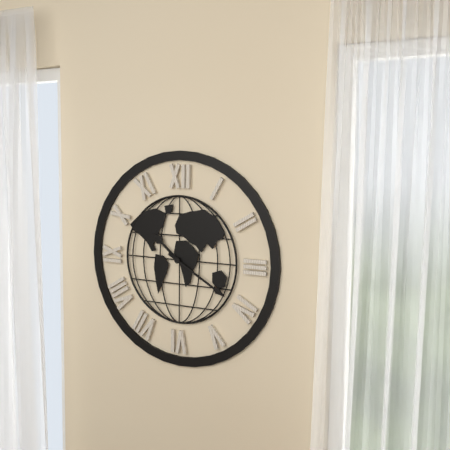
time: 10:20
